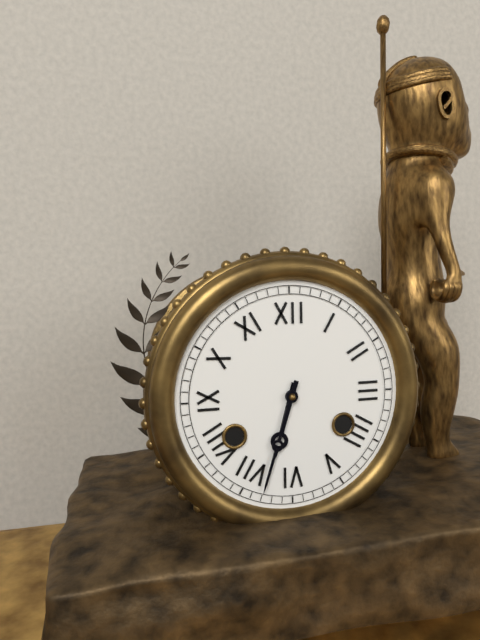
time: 6:33
